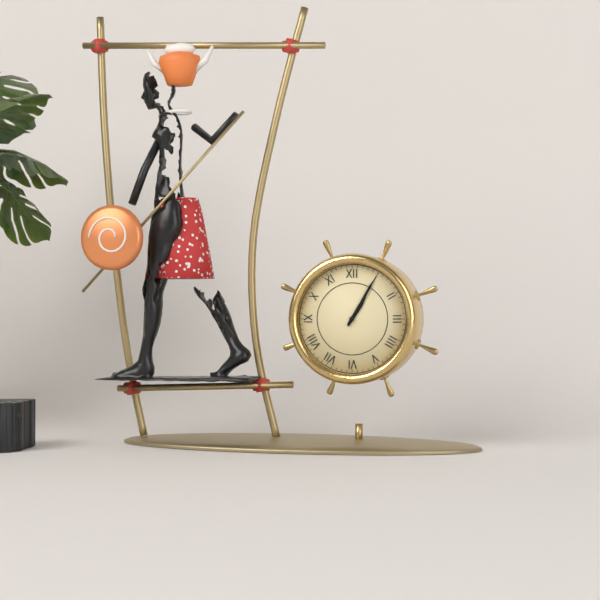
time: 1:05
